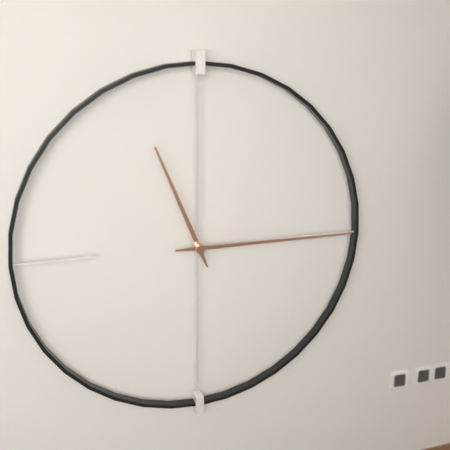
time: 11:15
